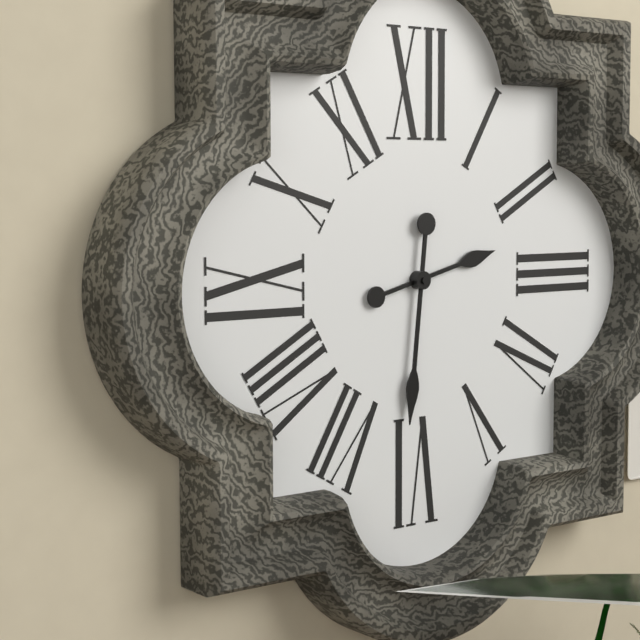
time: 2:31
